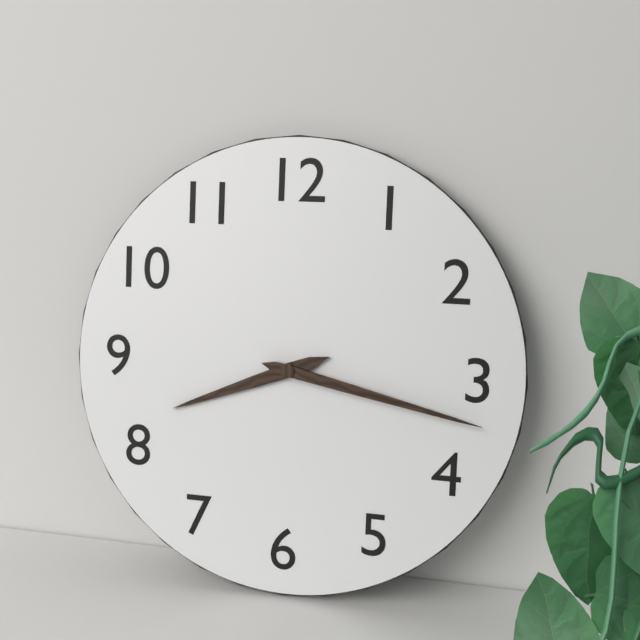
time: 8:17
